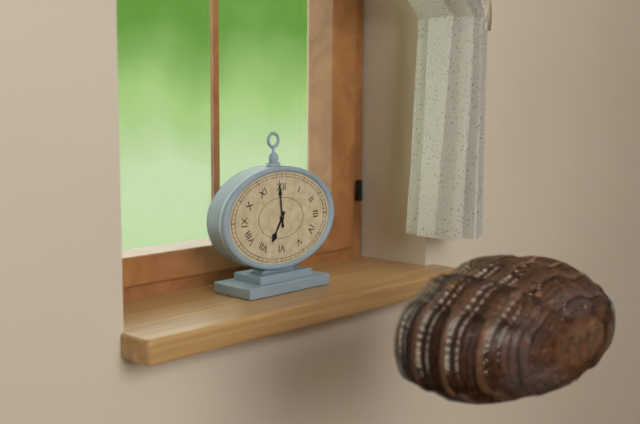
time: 6:59
